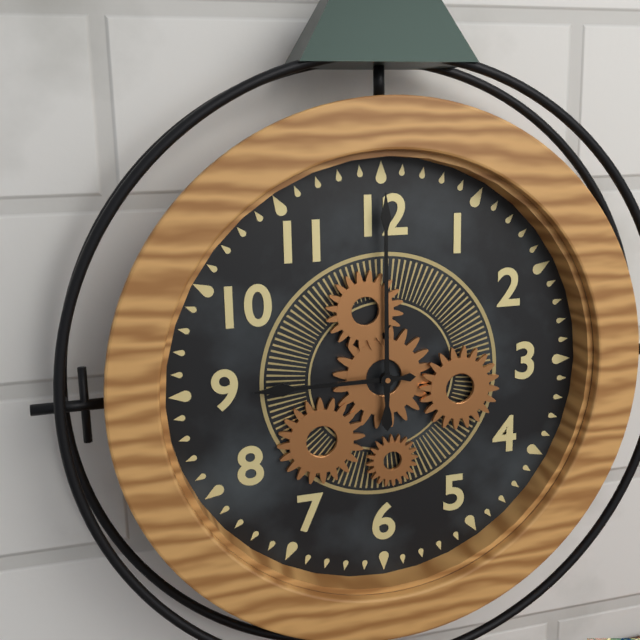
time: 9:00
